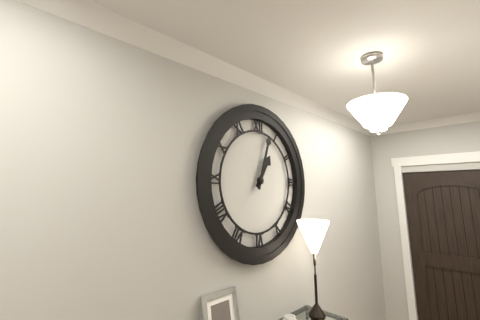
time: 1:03
